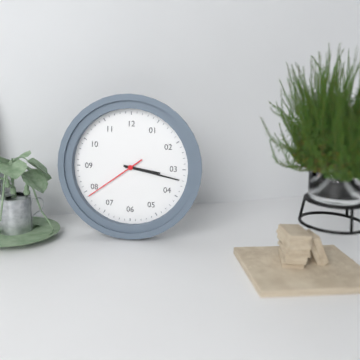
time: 3:17:39
